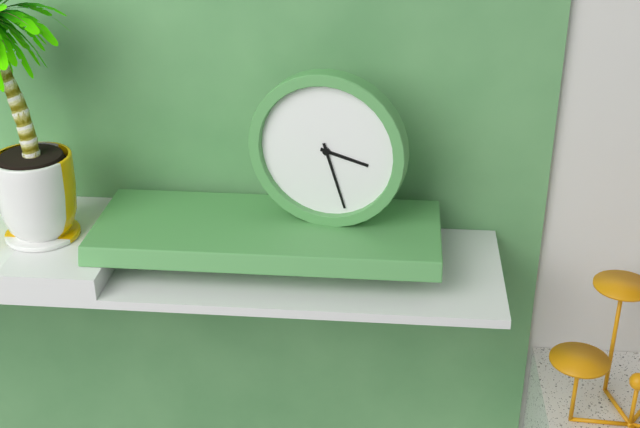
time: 3:27
